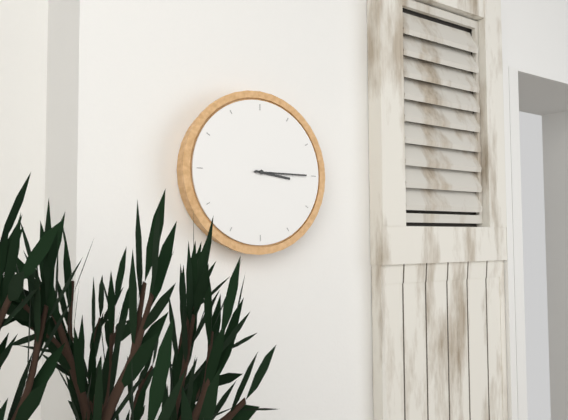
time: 3:15
